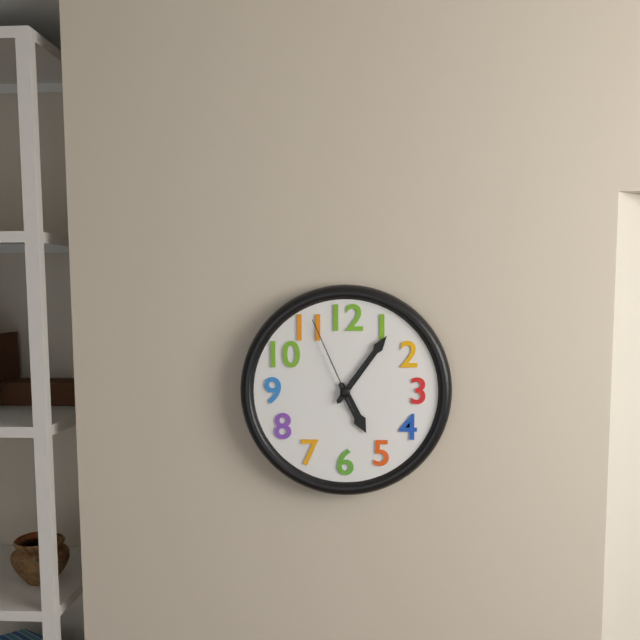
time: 5:06:56
